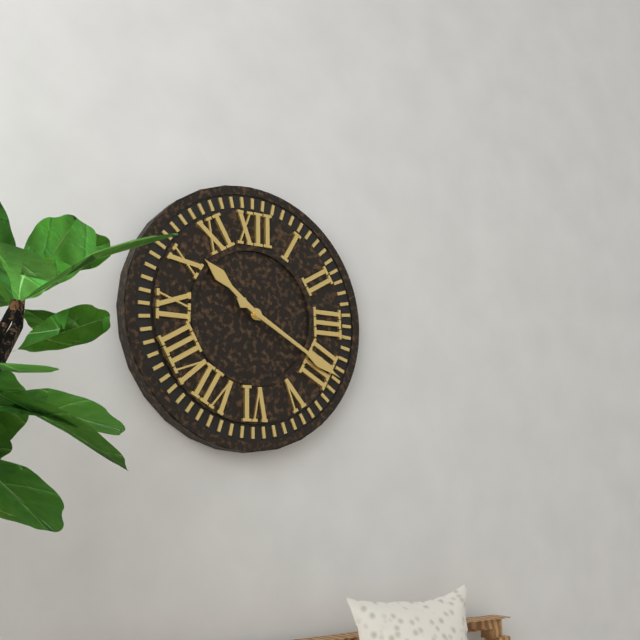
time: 10:20
